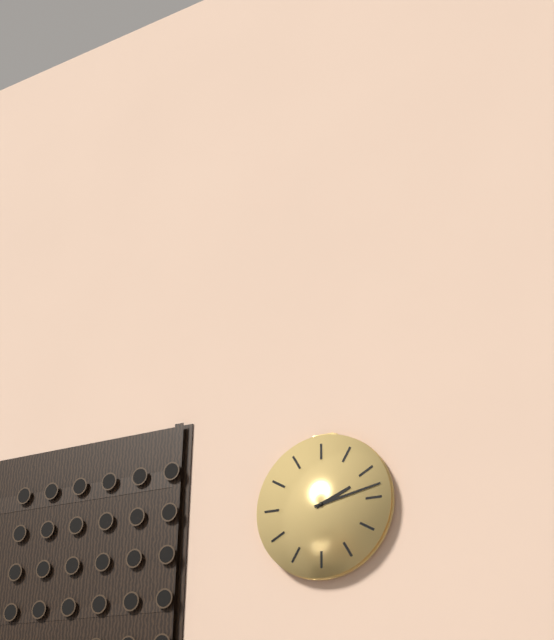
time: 2:13
